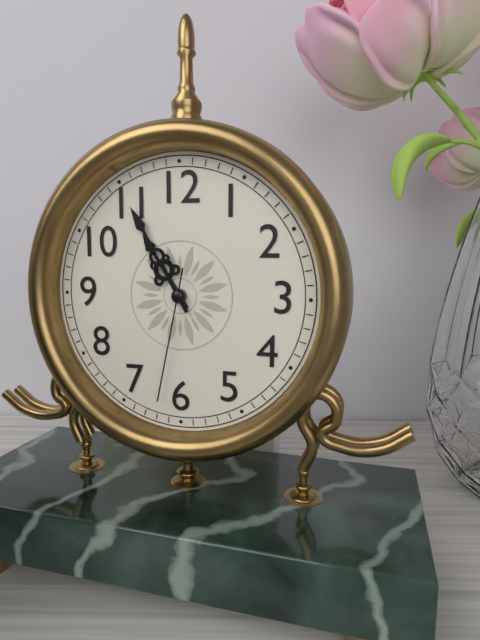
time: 10:55:32
